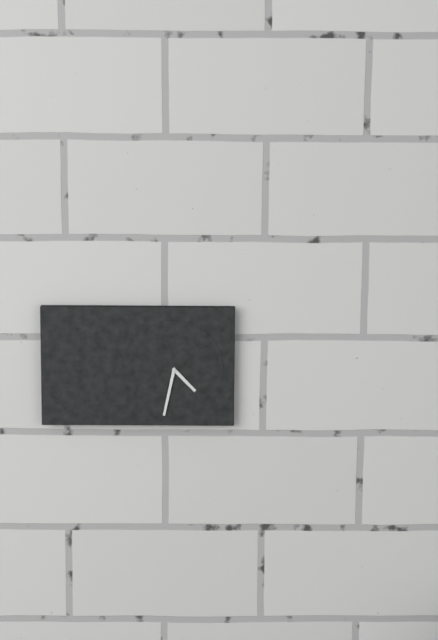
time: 4:32
